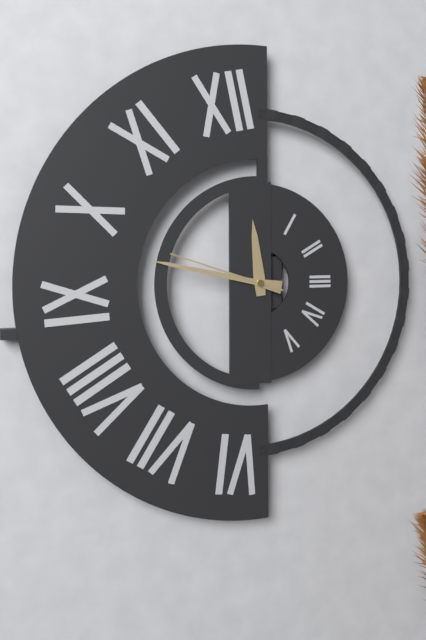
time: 11:47:48
